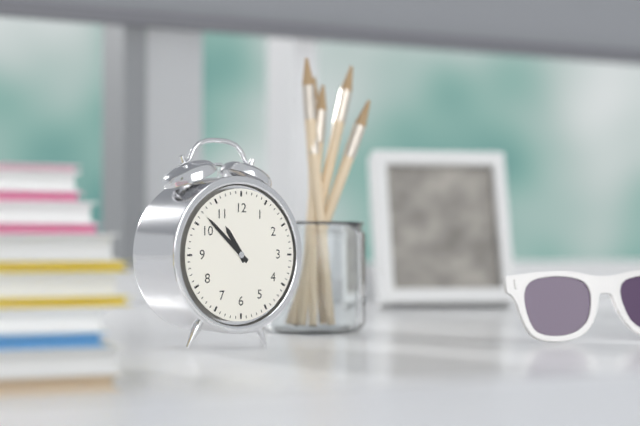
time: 10:52
